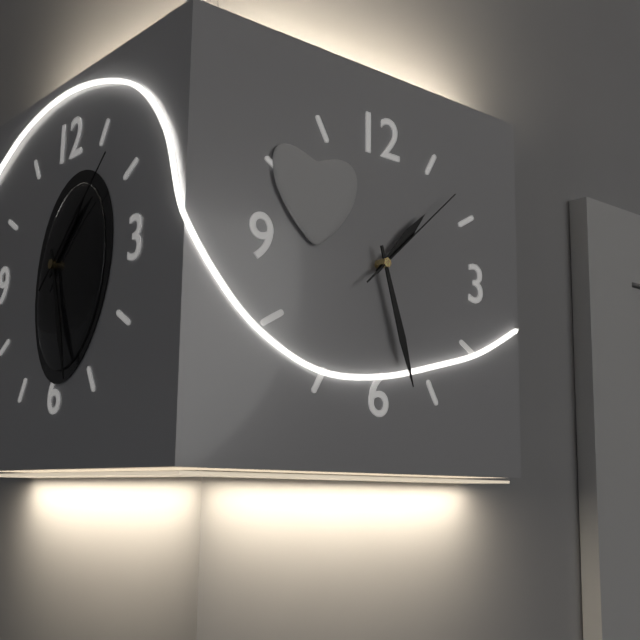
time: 1:27:08
